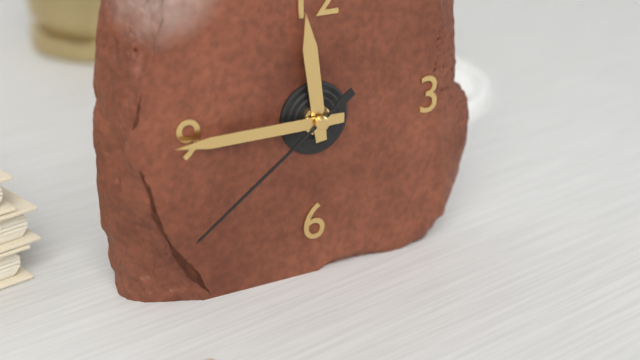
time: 11:45:39
